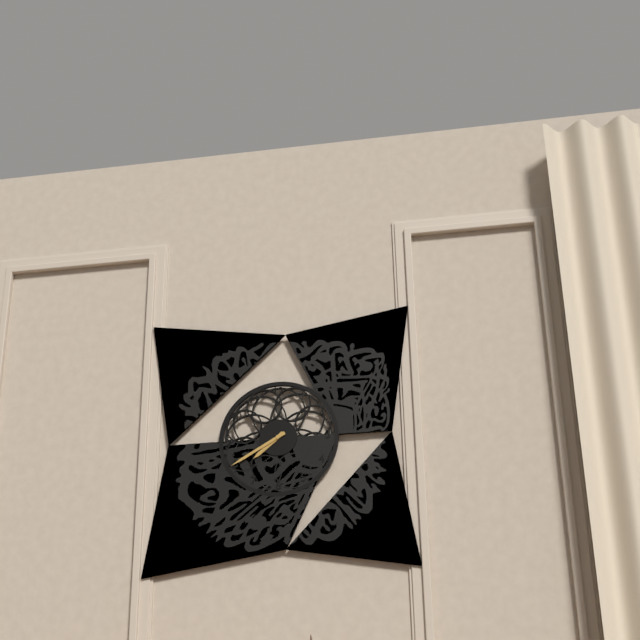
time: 7:40
